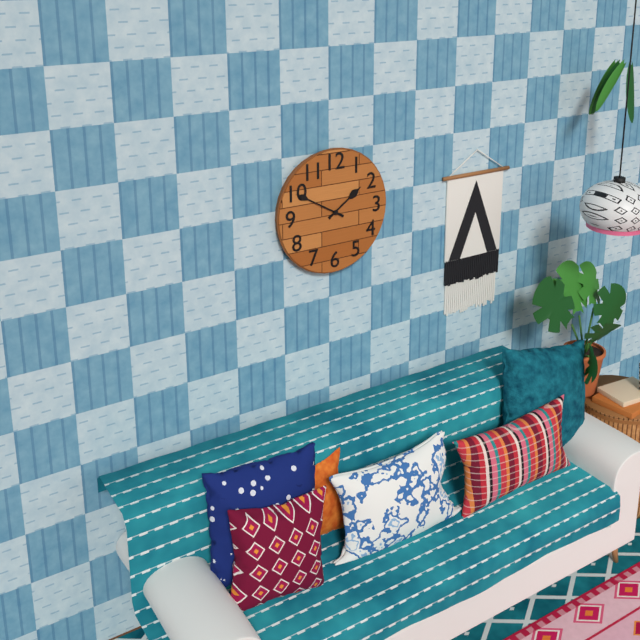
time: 1:50
